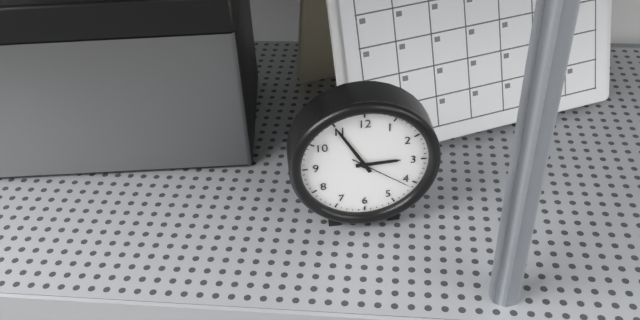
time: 2:55:21
